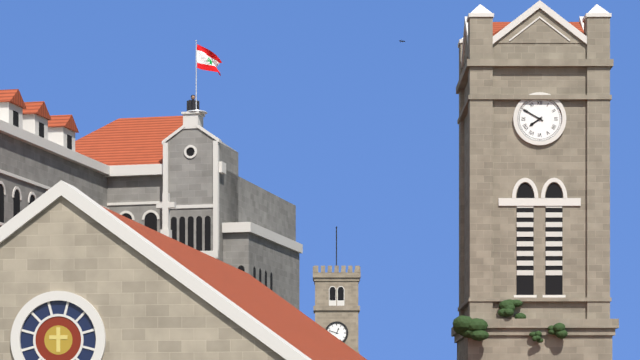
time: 7:50
